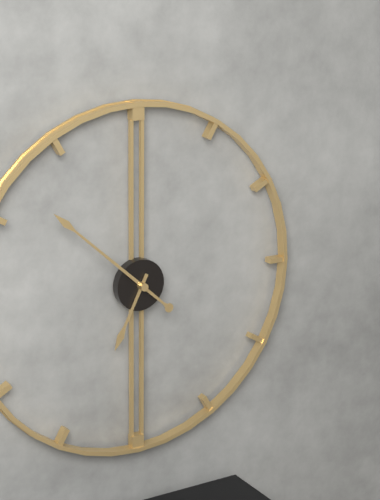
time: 6:52
